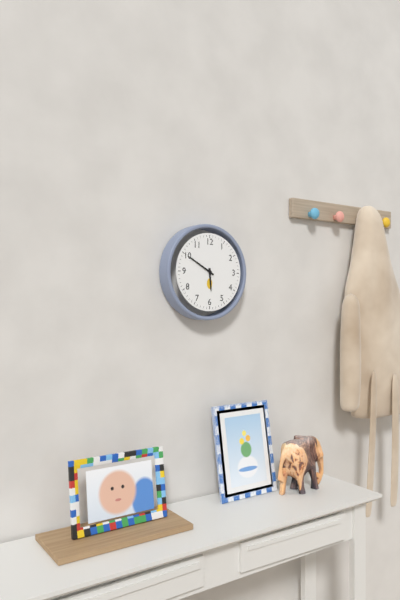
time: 5:50
